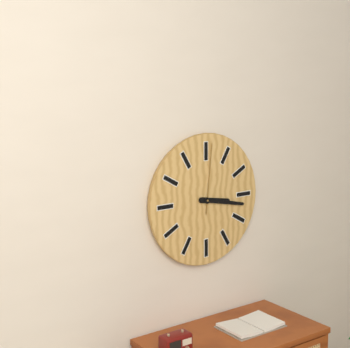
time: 3:17:01
